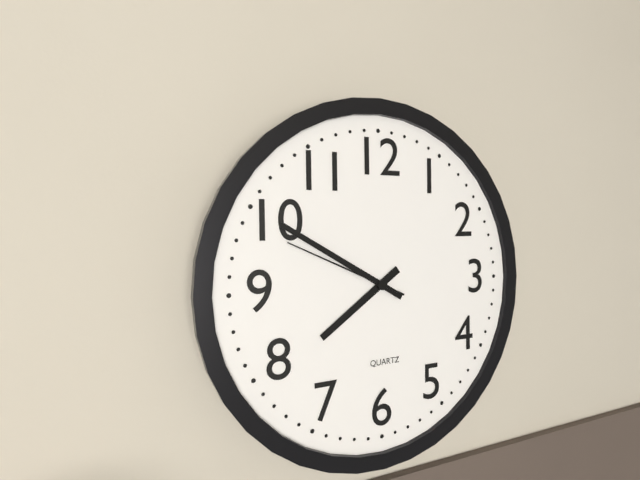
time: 7:50:49
